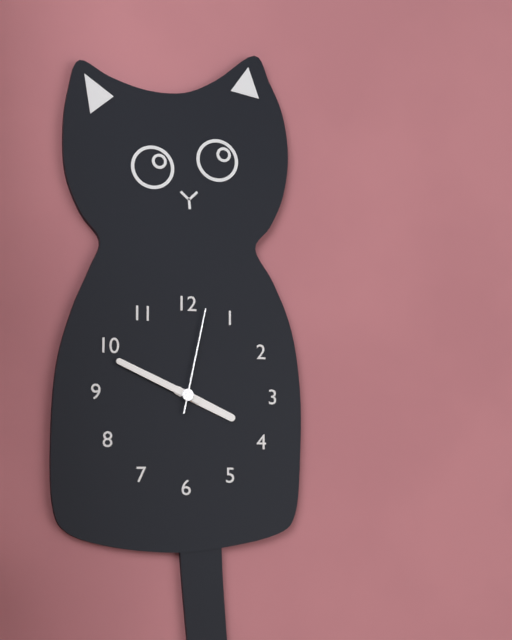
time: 3:49:02
